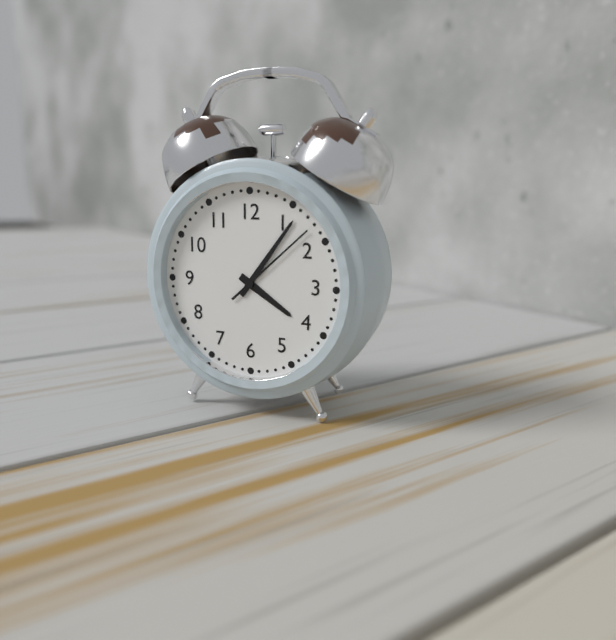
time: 4:06:08
